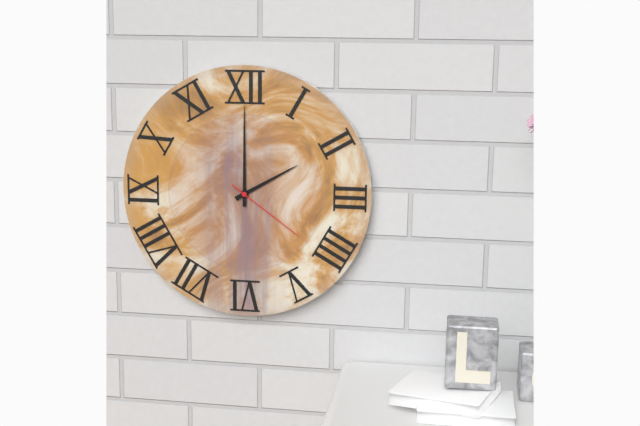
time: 2:00:21
